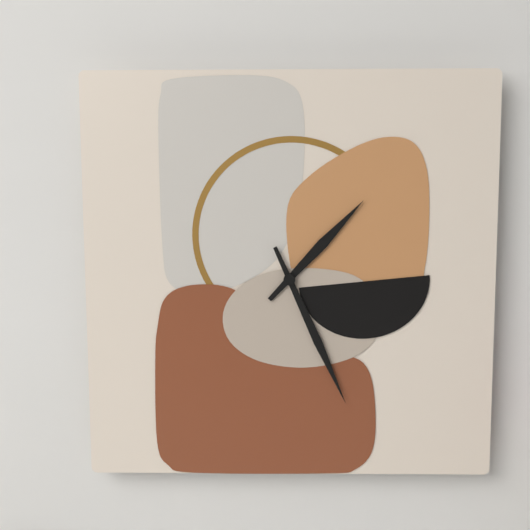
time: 1:26
